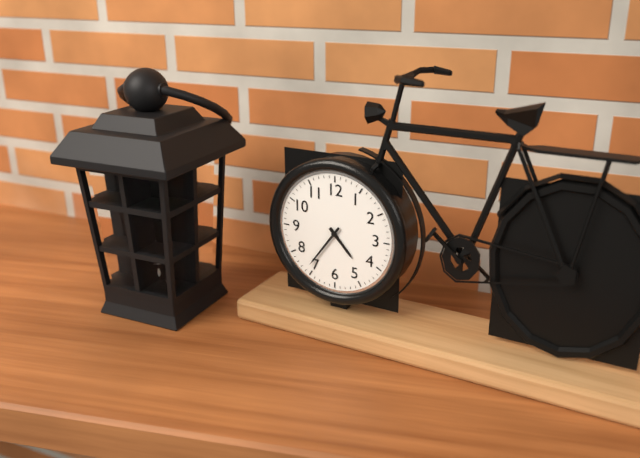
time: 4:36
